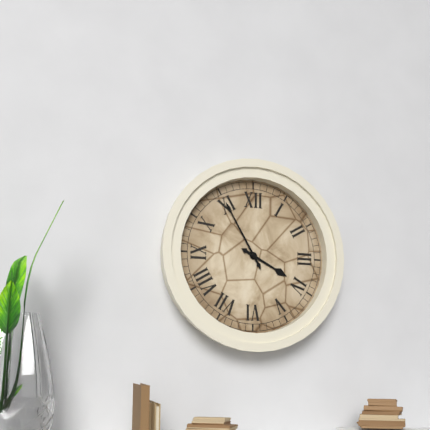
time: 3:55
